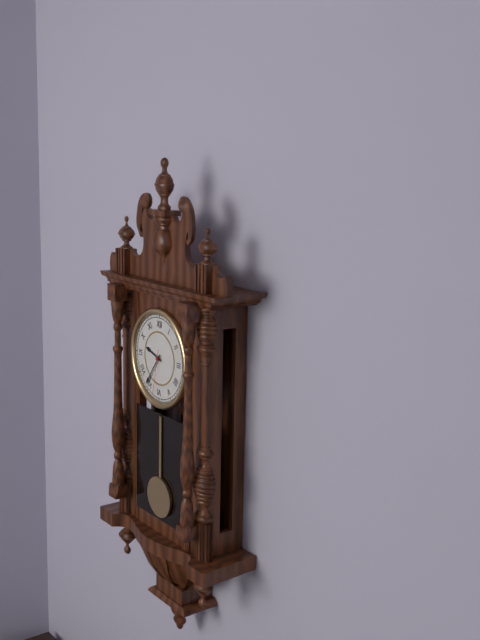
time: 9:36
